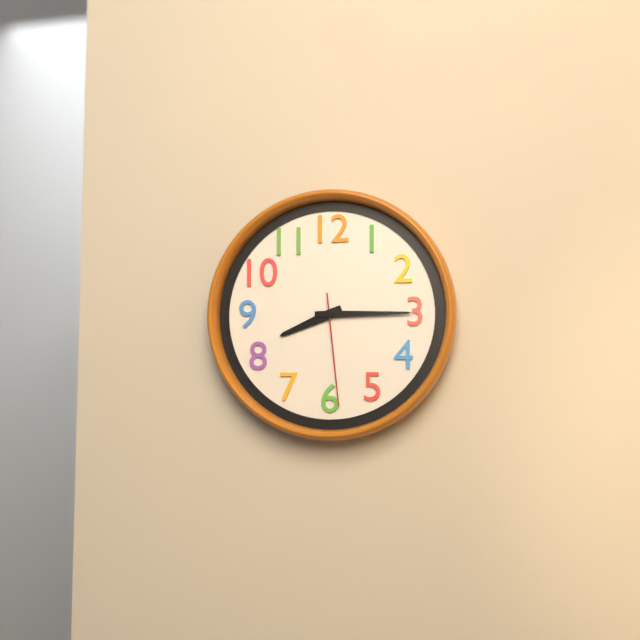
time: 8:15:29
